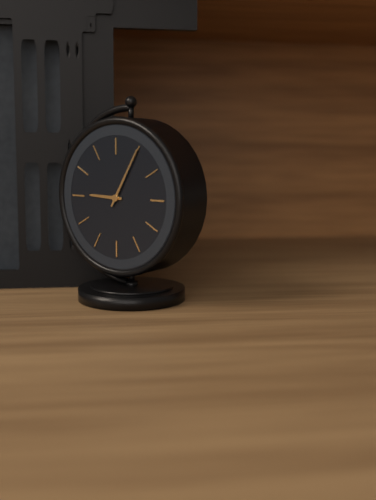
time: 9:05
